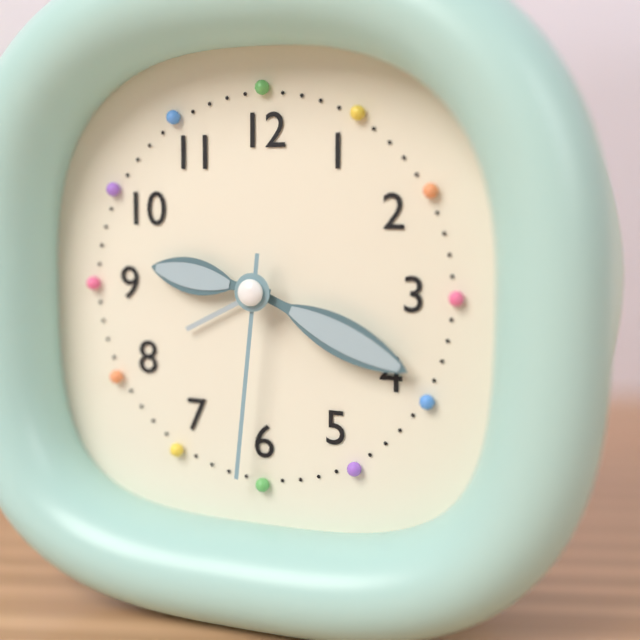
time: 9:19:31
